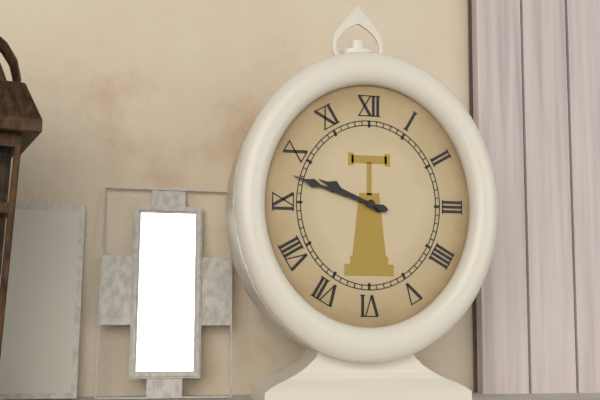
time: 9:48
